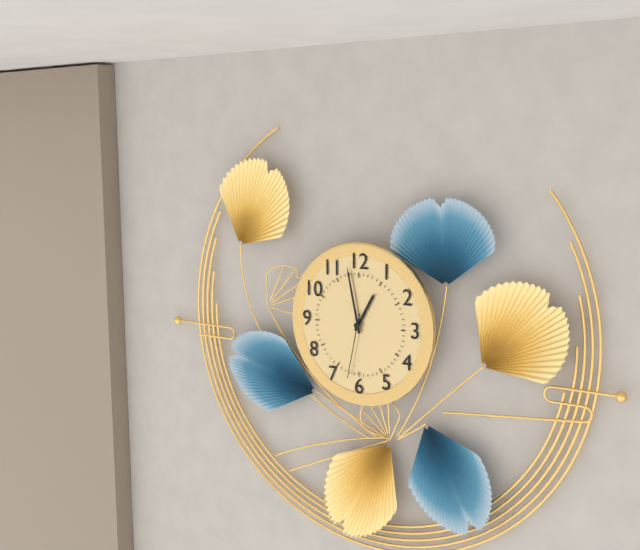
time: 12:58:32
